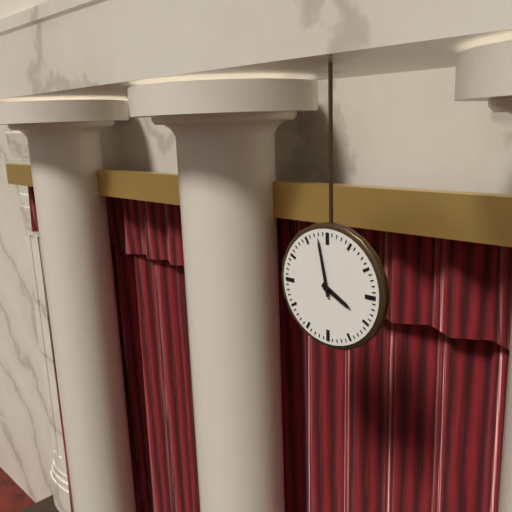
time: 3:58
